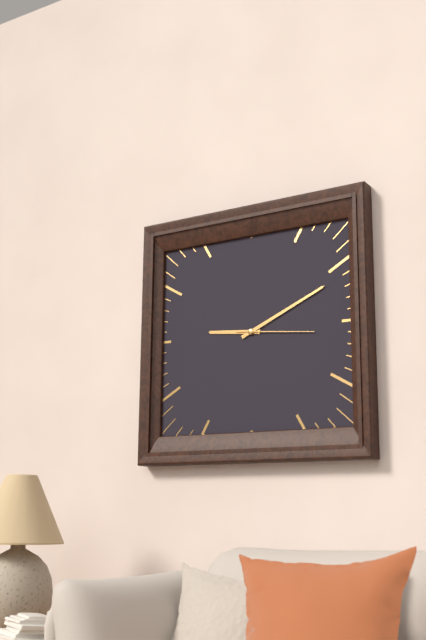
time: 9:11:16
